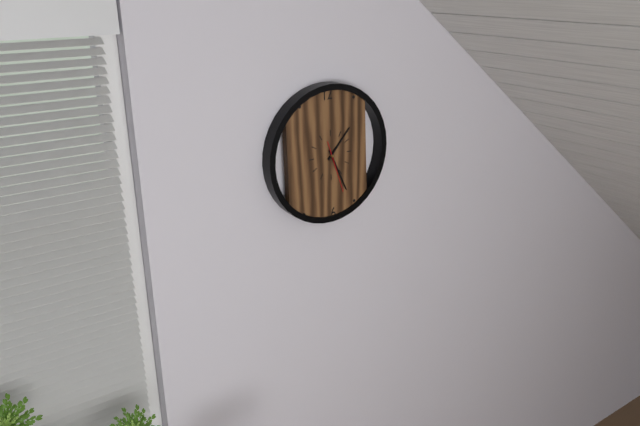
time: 1:26
